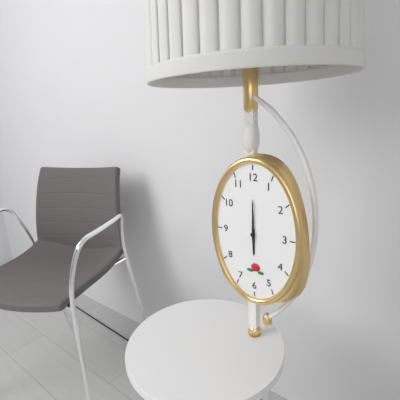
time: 6:00
